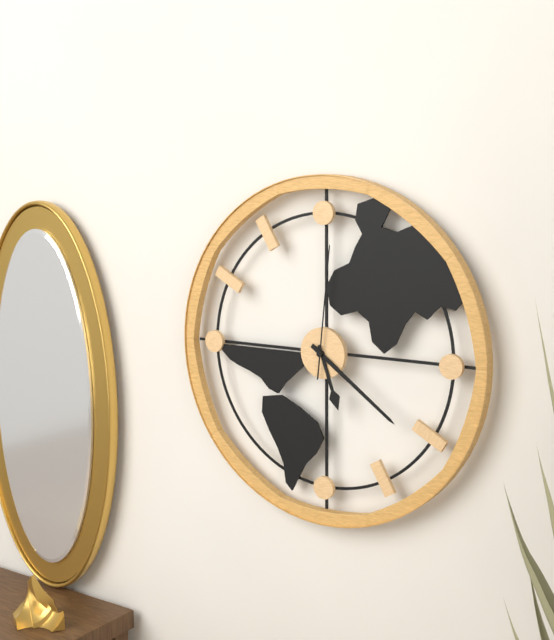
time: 5:21:01
